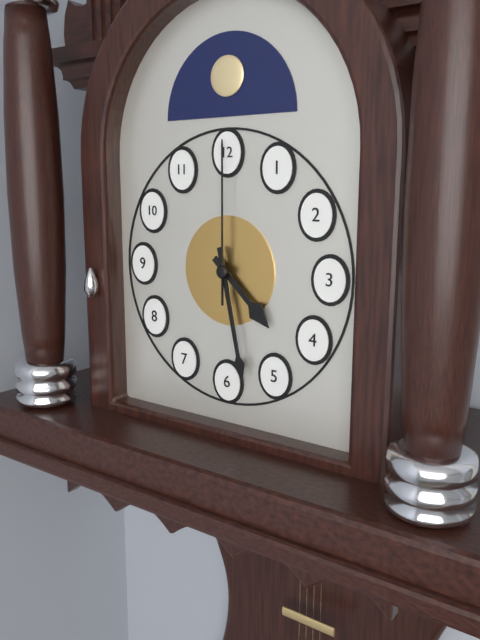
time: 4:28:00
